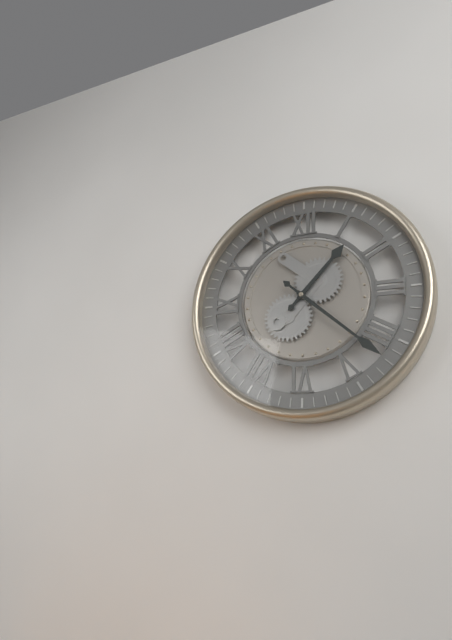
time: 1:22
